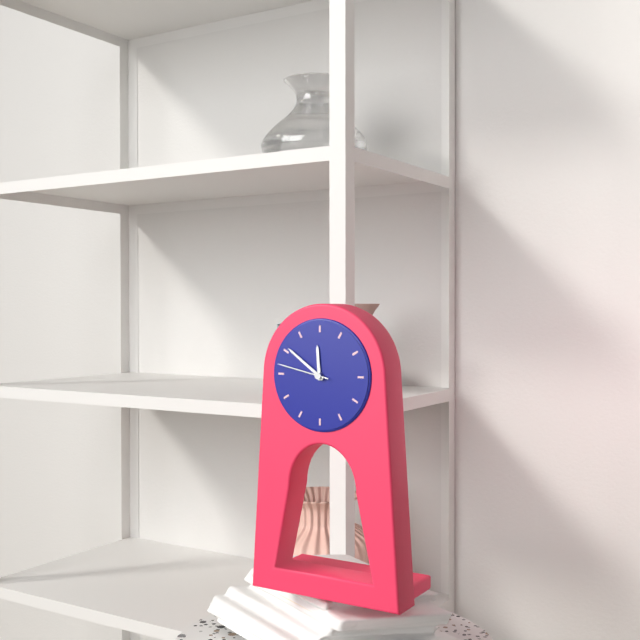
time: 11:51:47
